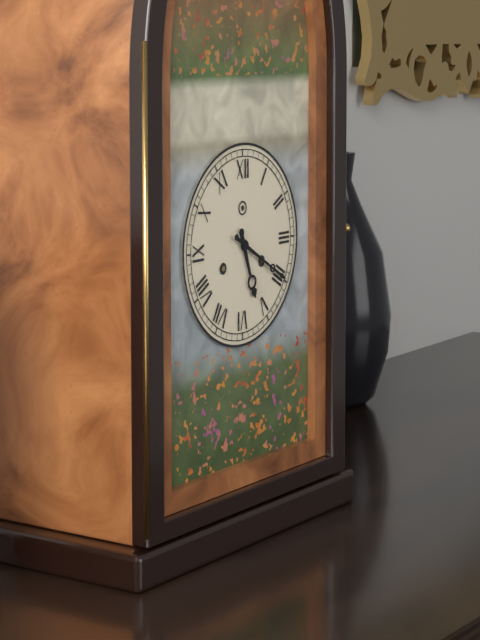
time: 5:20
